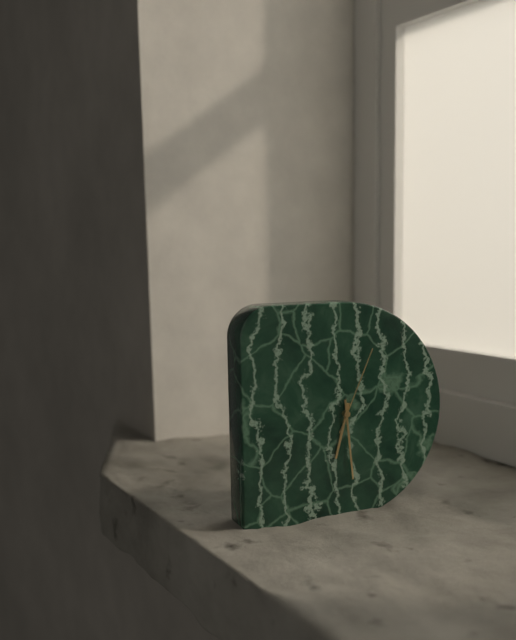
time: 6:29:04
